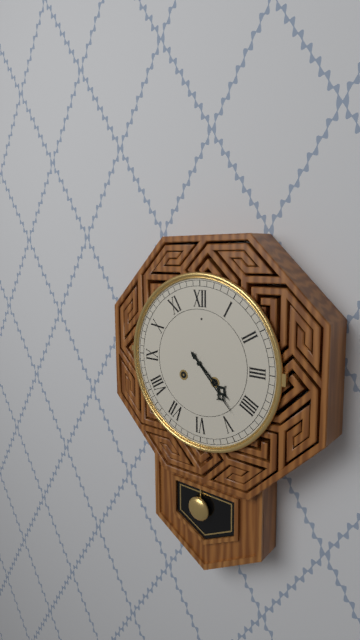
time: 4:23
